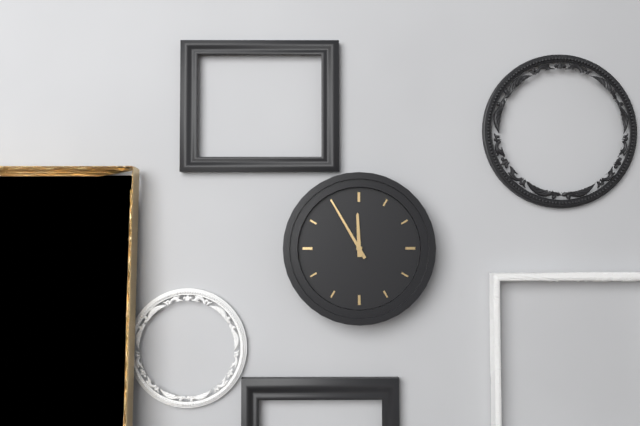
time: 11:55
